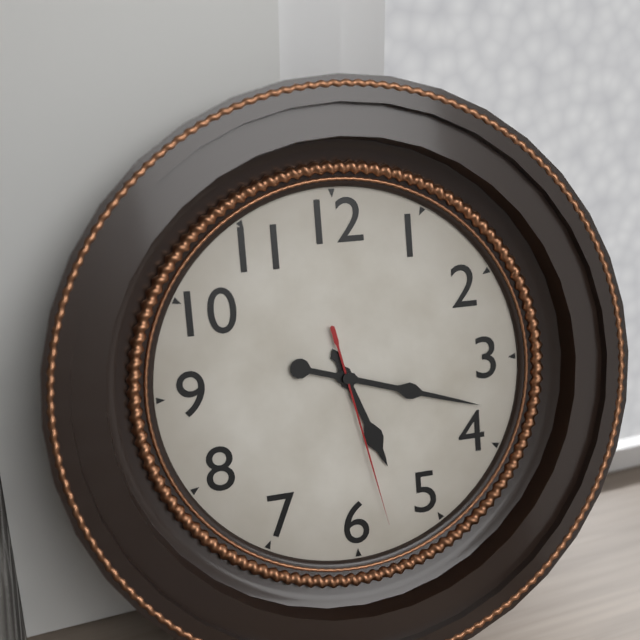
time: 5:18:28
